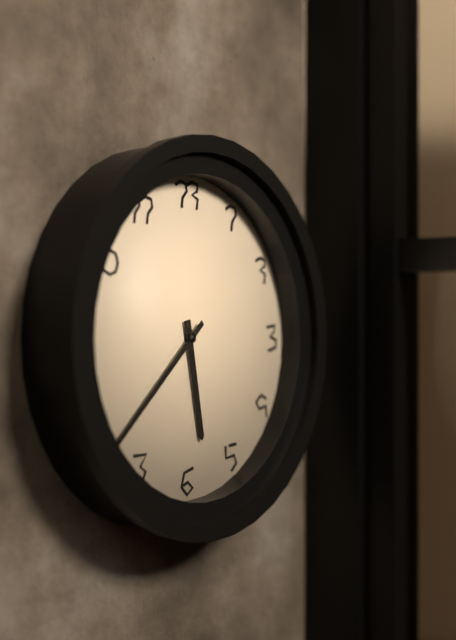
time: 5:38
